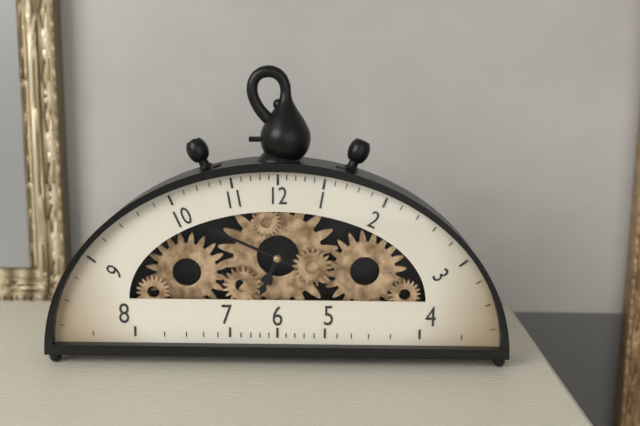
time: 6:49
